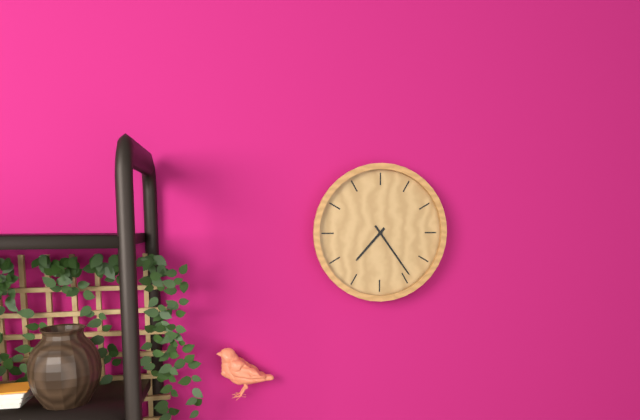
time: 7:24
